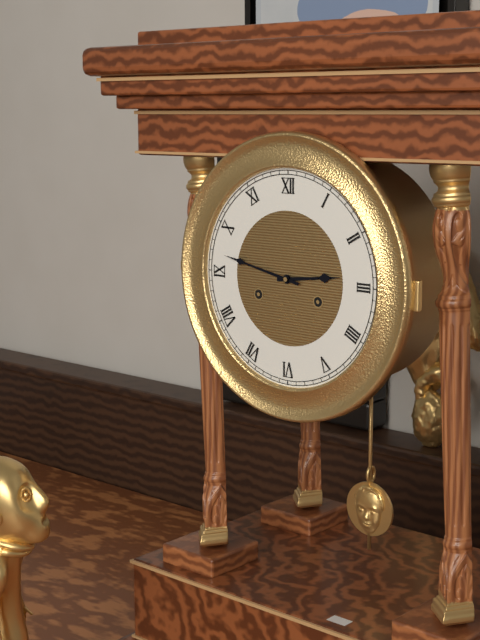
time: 2:47
